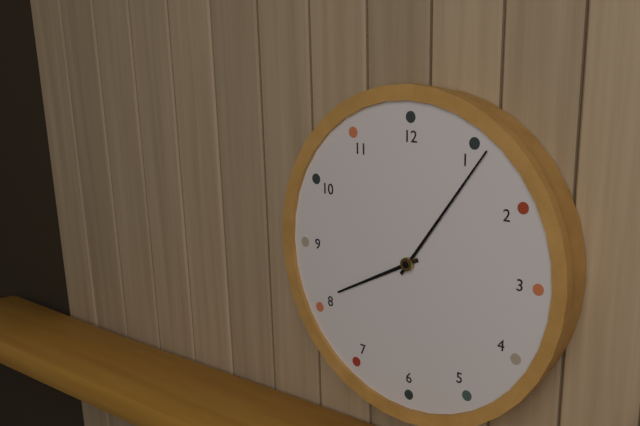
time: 8:06
